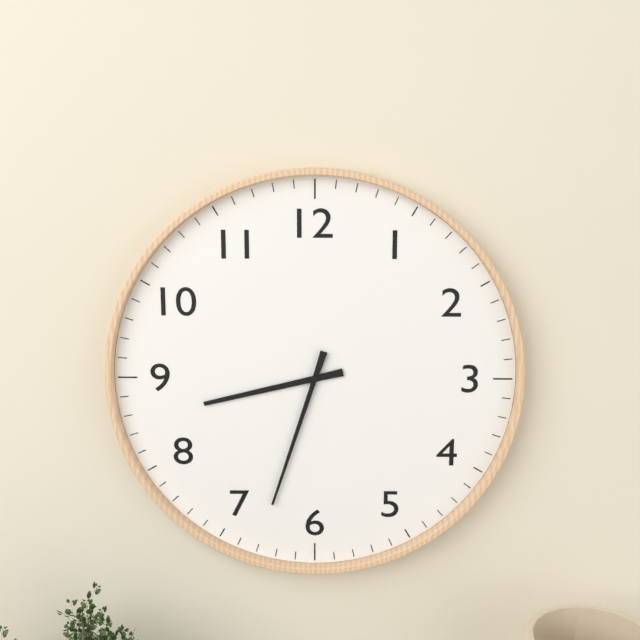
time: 8:33
